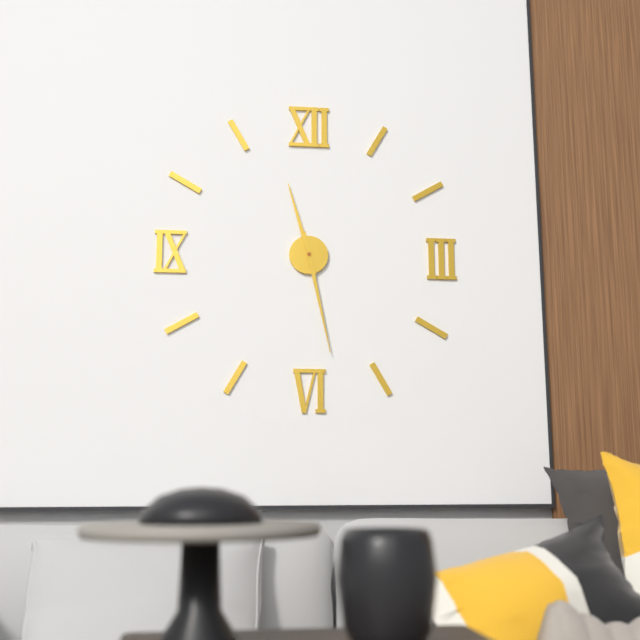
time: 11:28
